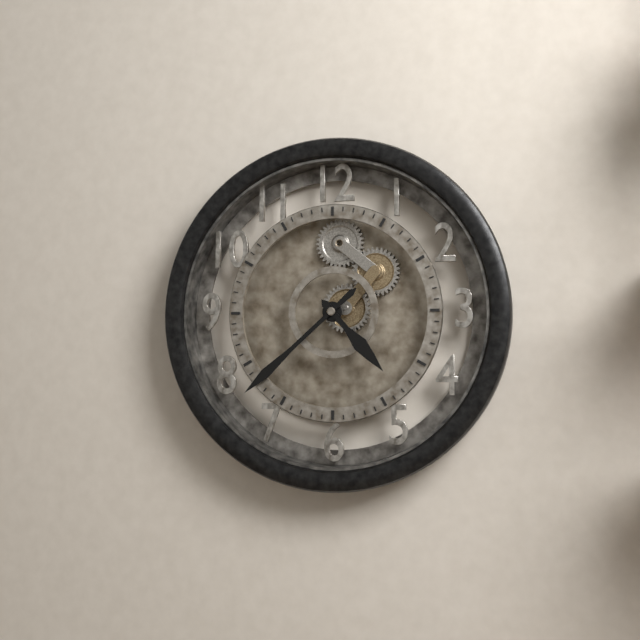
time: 4:38
